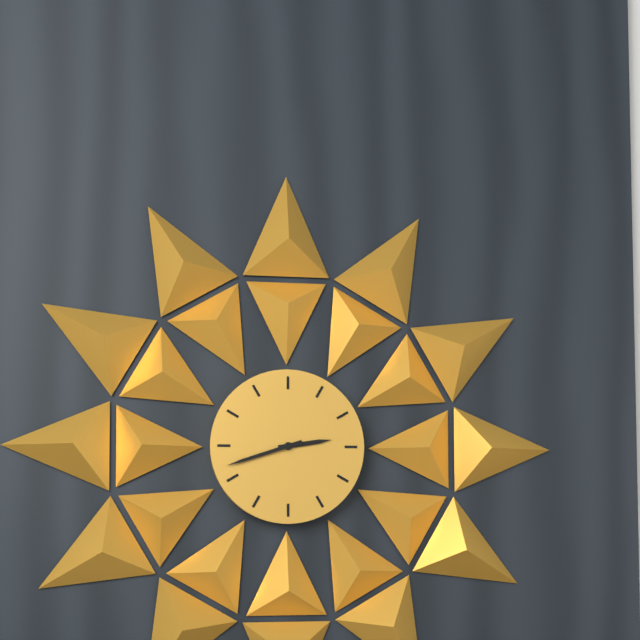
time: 2:42
